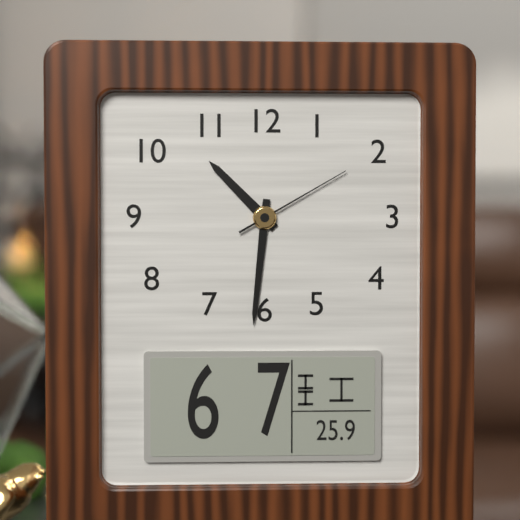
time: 10:31:10
